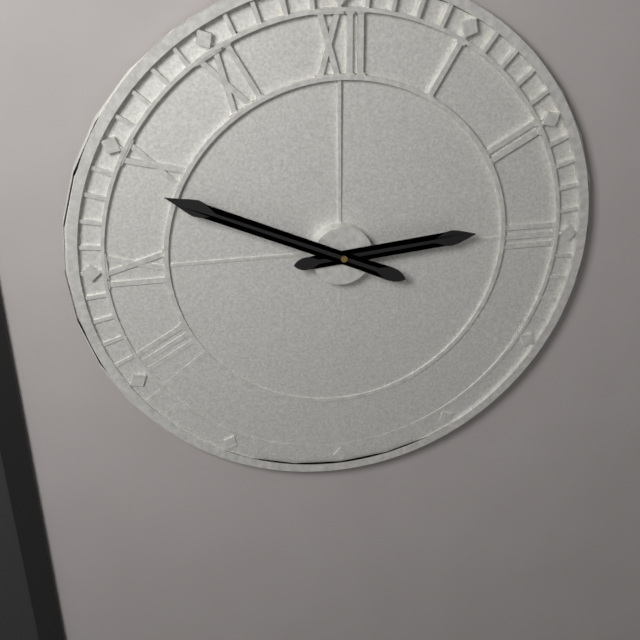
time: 2:49
